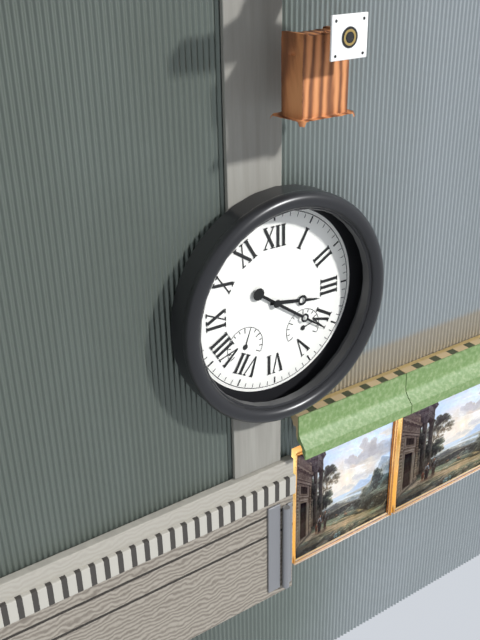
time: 3:21
